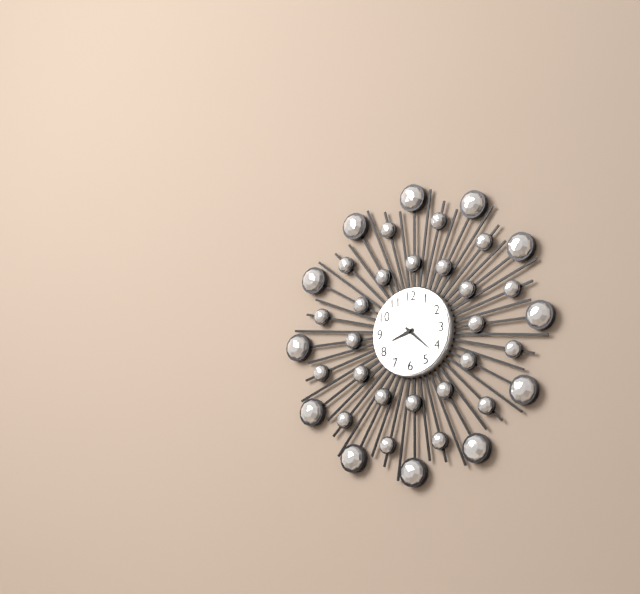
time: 8:22
